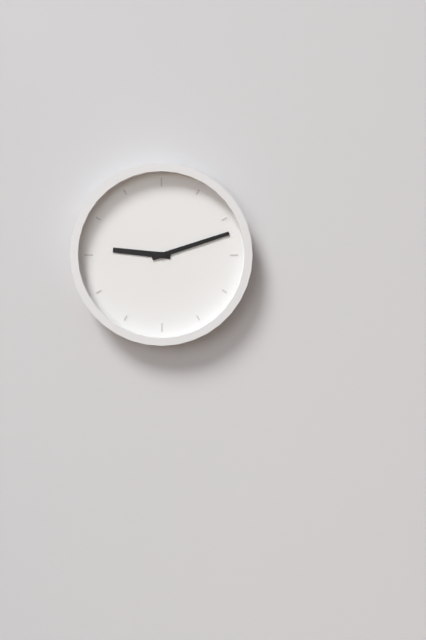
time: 9:12
